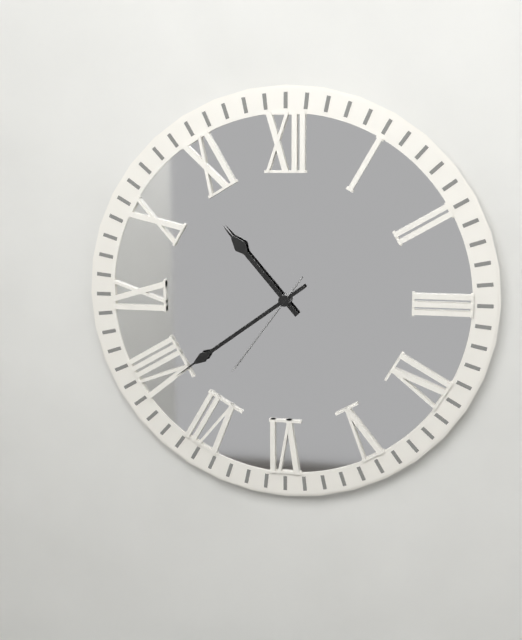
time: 10:39:36
